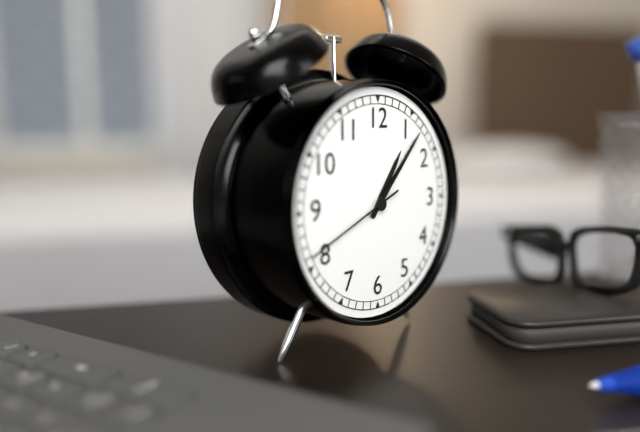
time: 1:07:41
